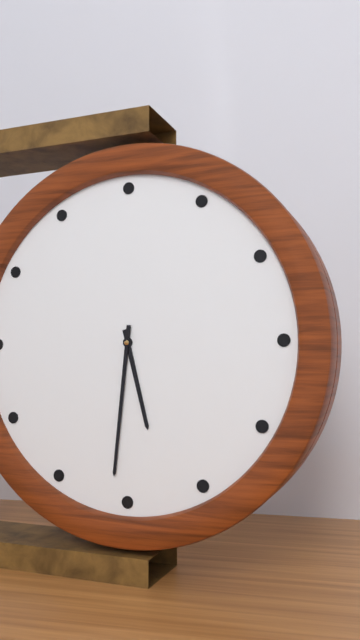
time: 5:31
